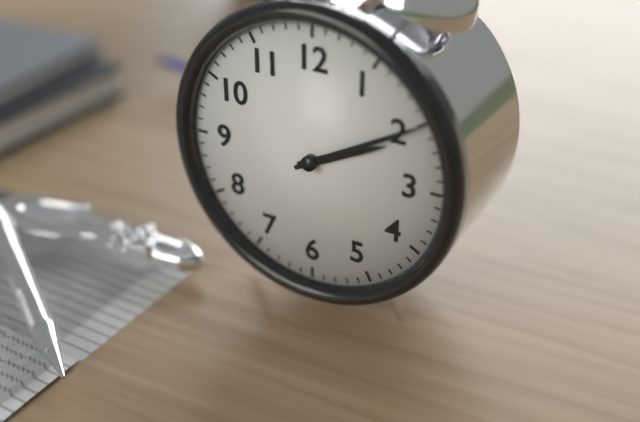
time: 2:10
